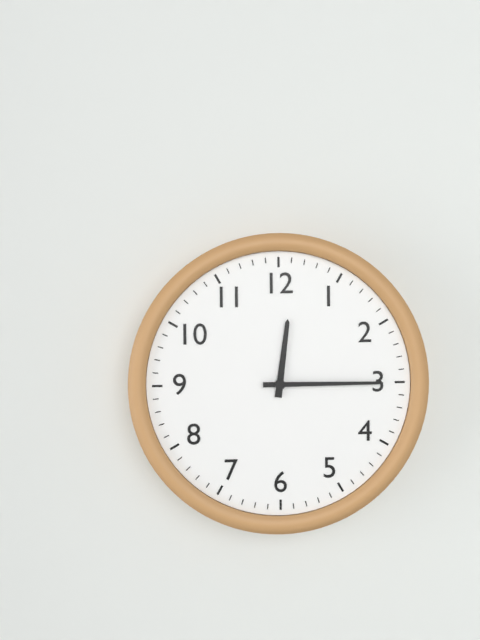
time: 12:15
